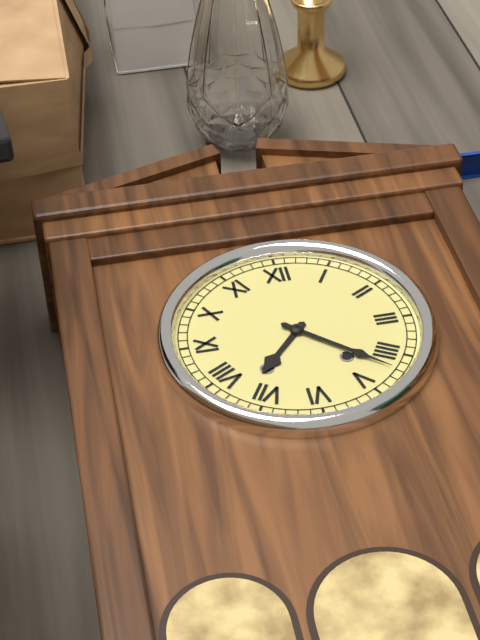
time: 7:22
